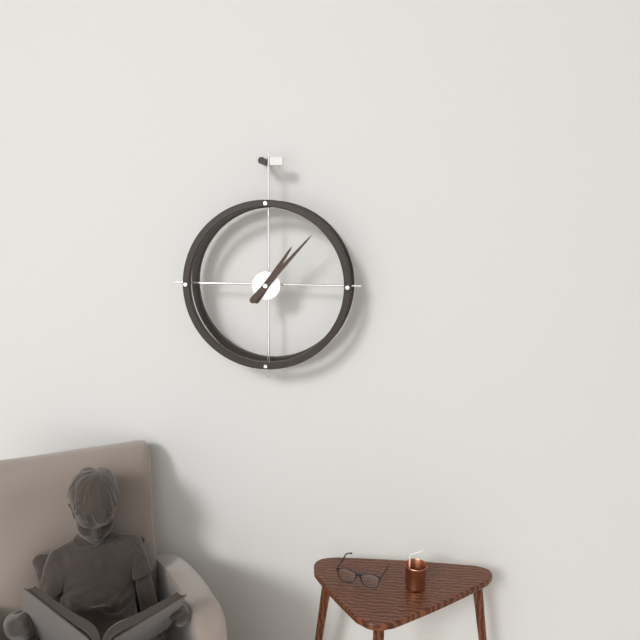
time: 1:07
